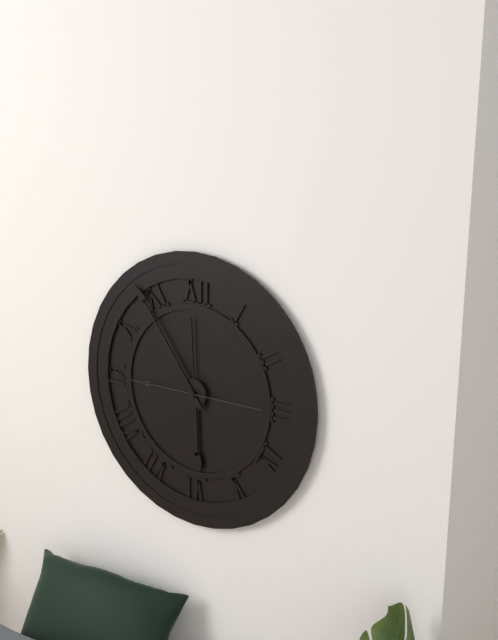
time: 5:54:15
